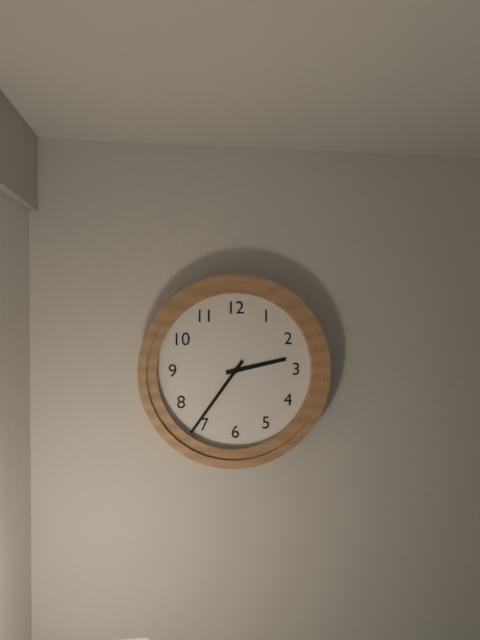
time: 2:36
